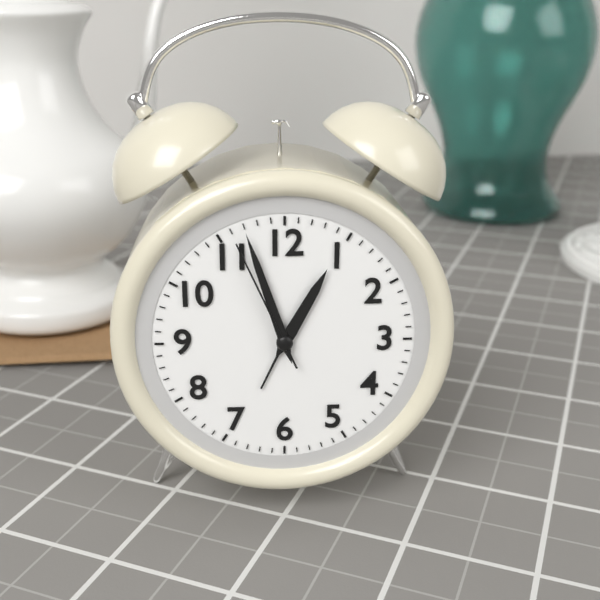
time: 12:57:56
